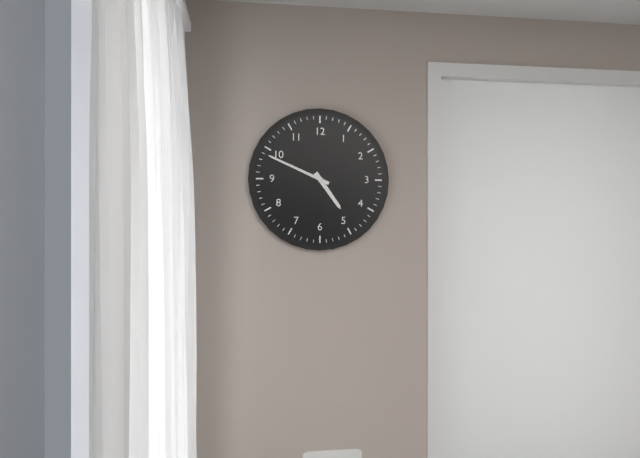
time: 4:49
